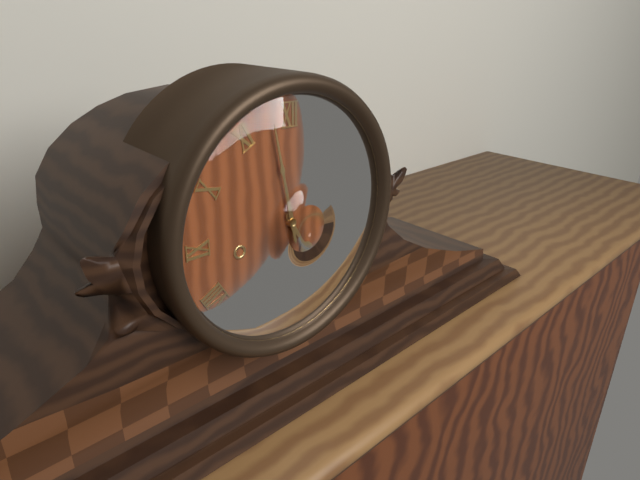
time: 4:58
